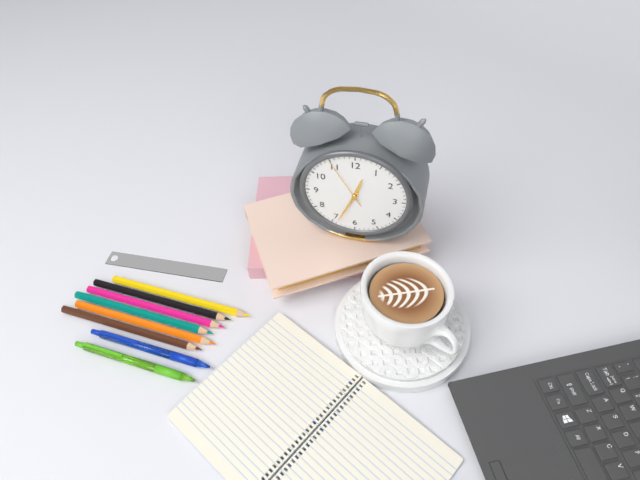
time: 12:34:55
